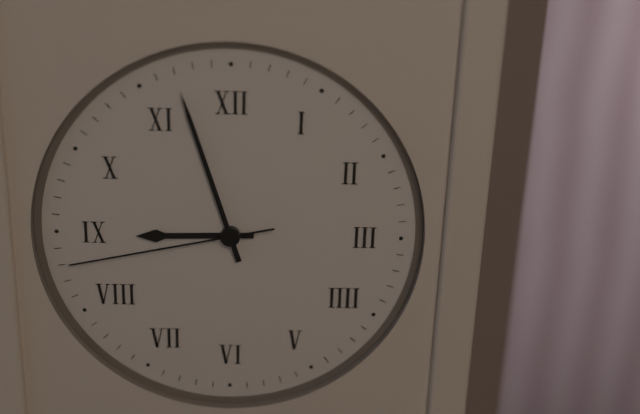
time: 8:57:43
